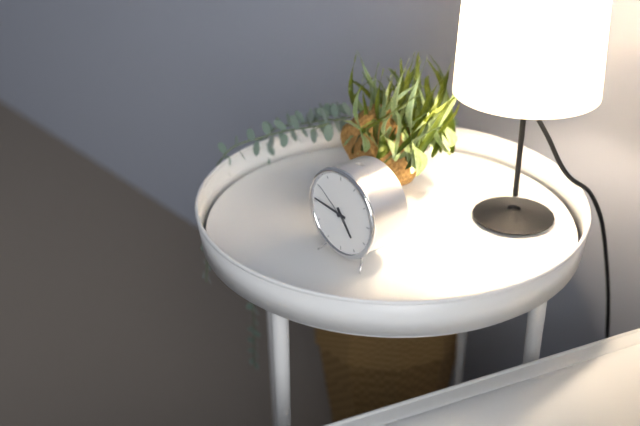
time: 4:46
